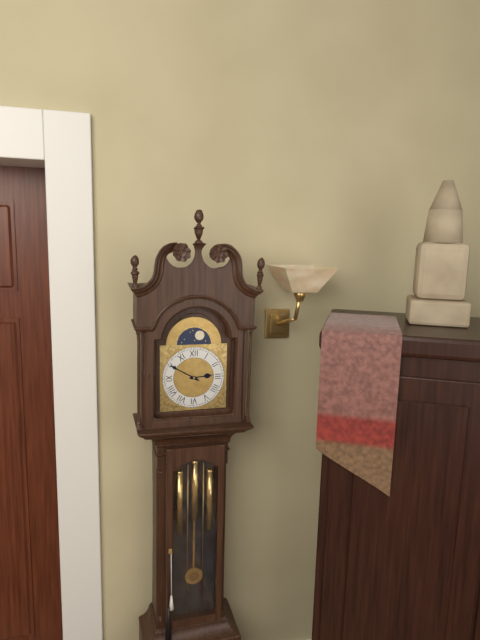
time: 2:50
